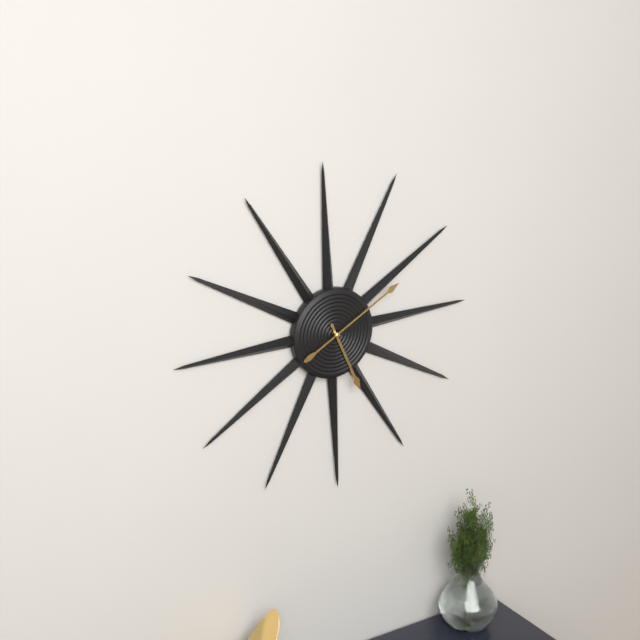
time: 5:10
